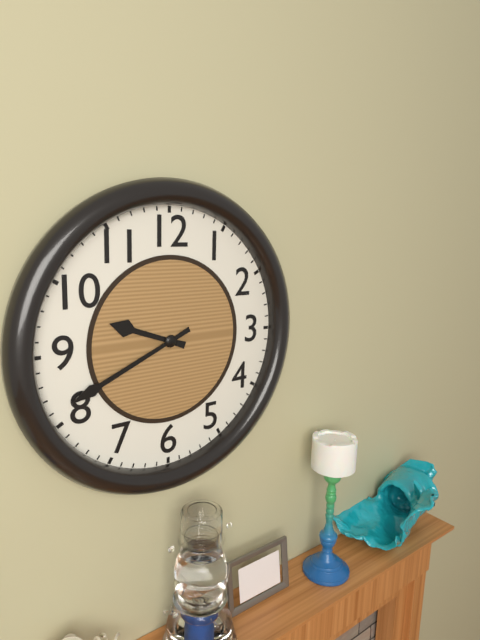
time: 9:41
